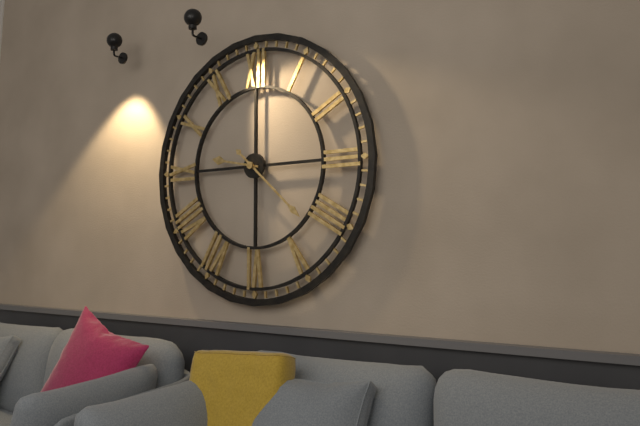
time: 9:22
